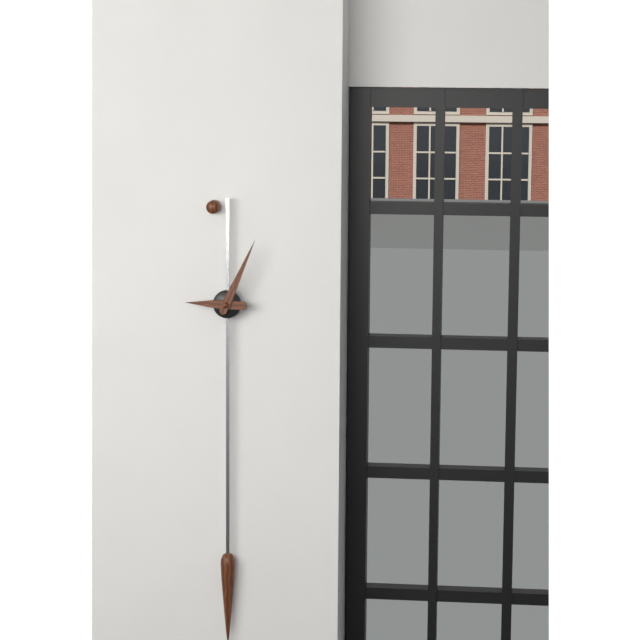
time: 9:04
